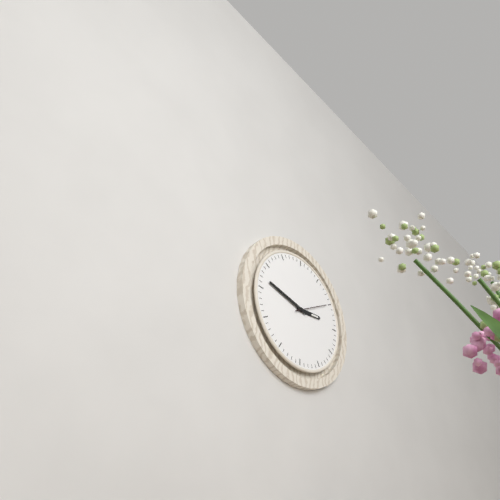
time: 2:47
